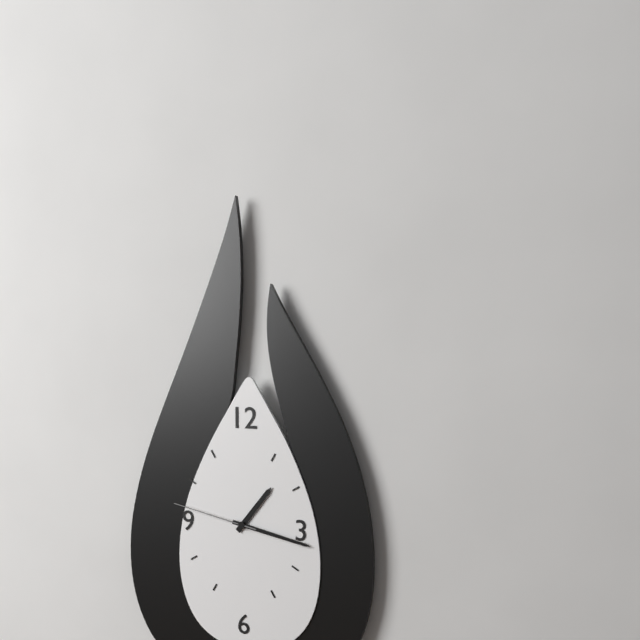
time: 1:17:47
